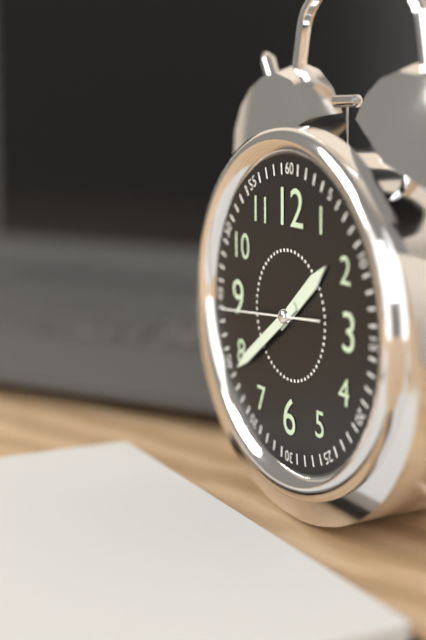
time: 1:39:44
